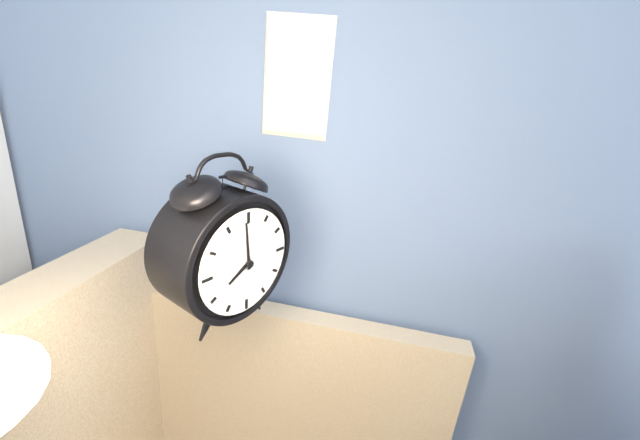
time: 7:59
